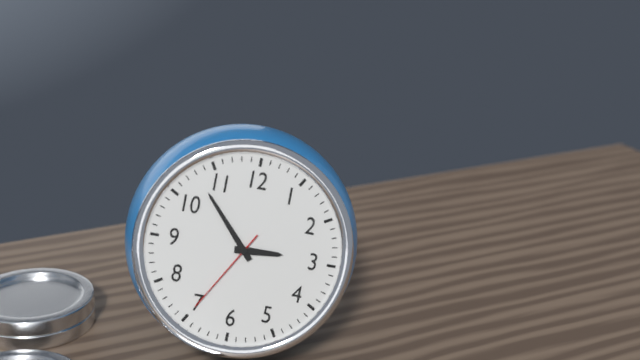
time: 2:53:35
